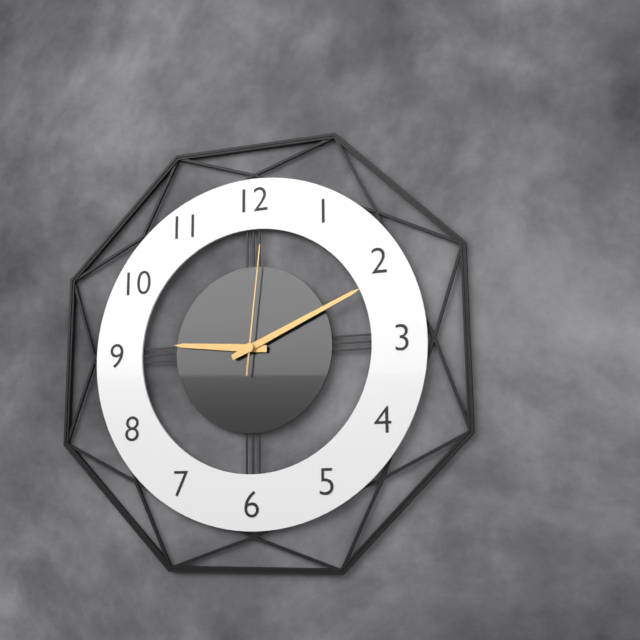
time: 9:11:01
